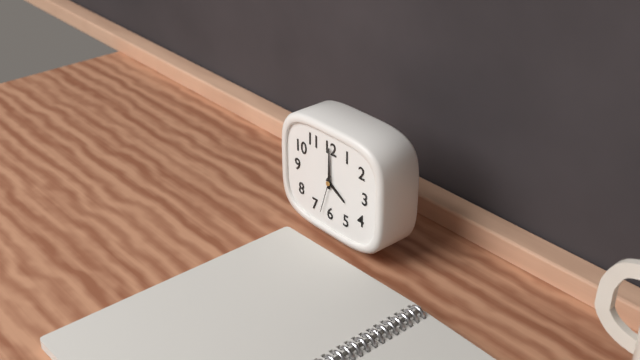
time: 4:00
